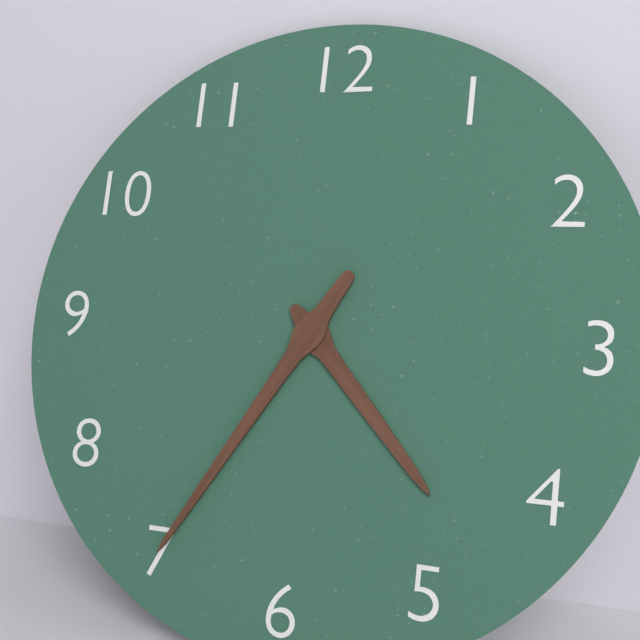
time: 4:35
